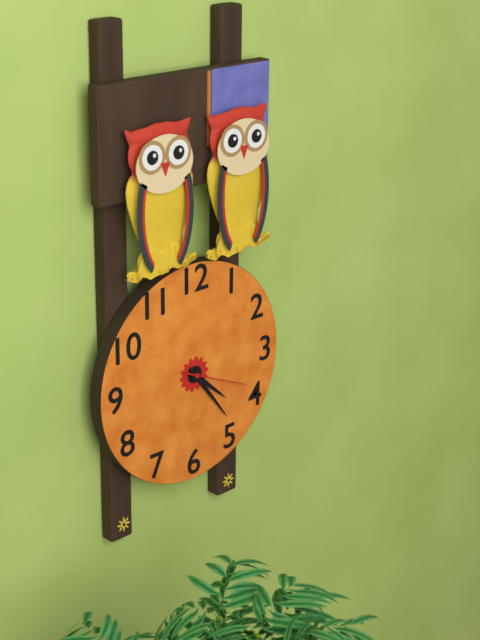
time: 4:24:19
